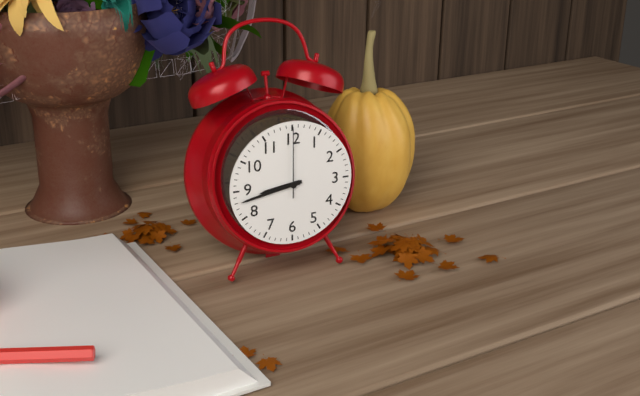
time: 8:43:00
